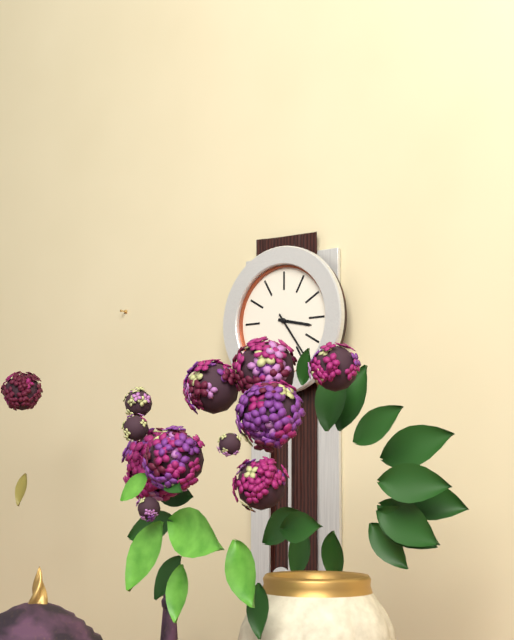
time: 3:24
